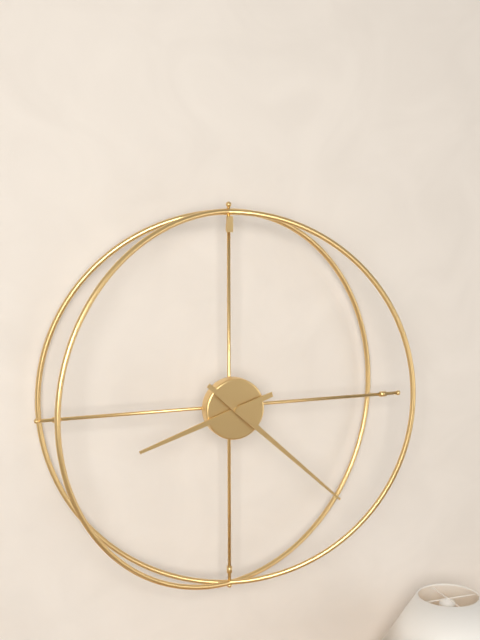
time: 8:22
